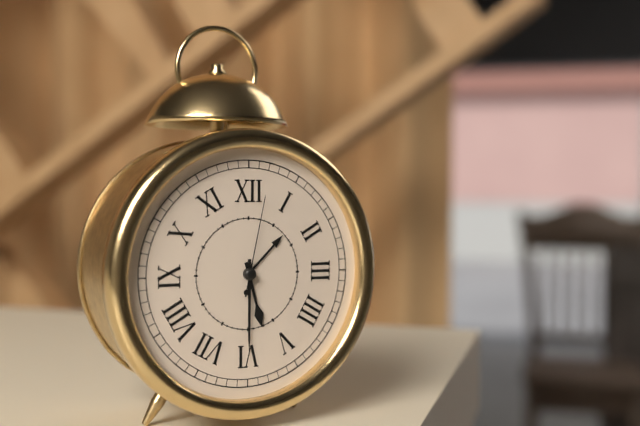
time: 5:30:02
